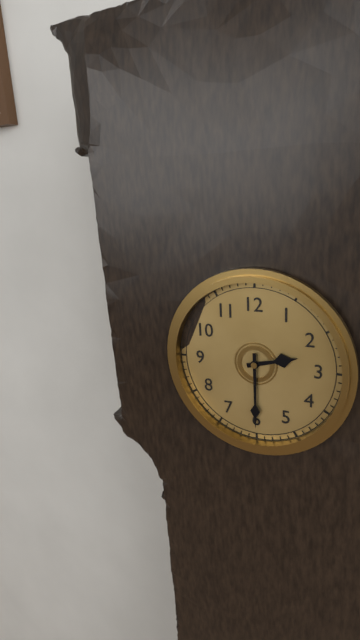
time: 2:30
